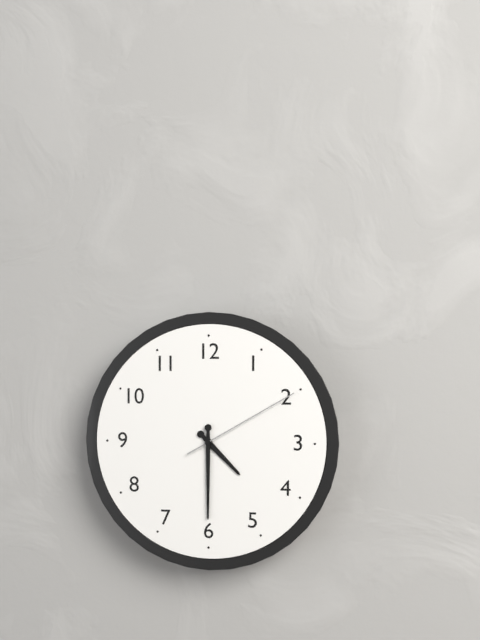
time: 4:30:10
